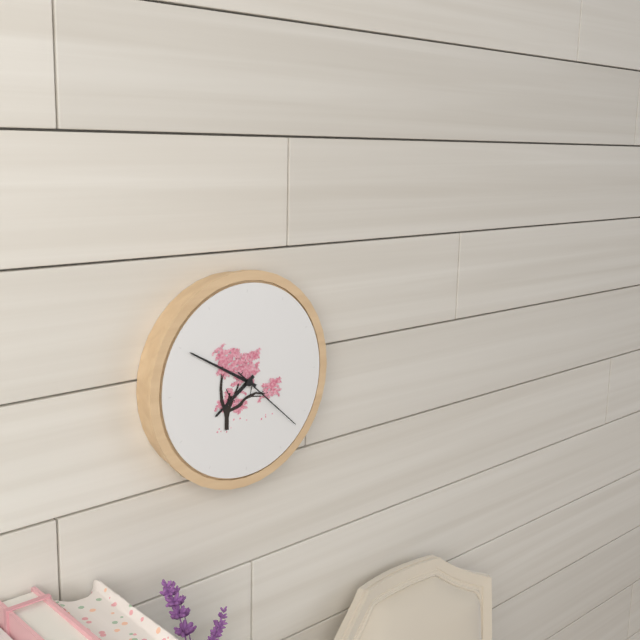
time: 7:50:22
